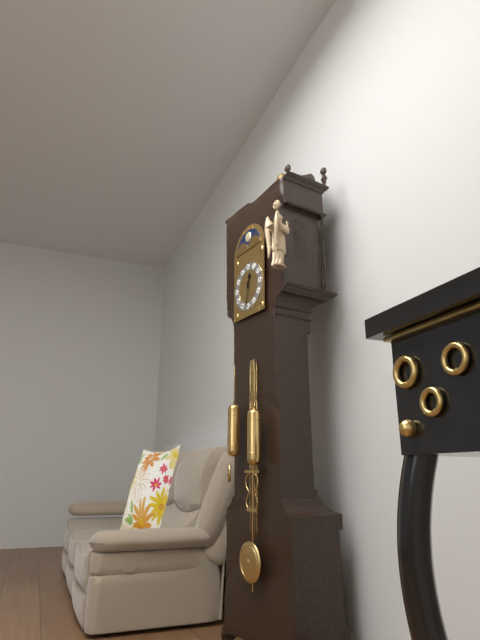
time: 12:31
